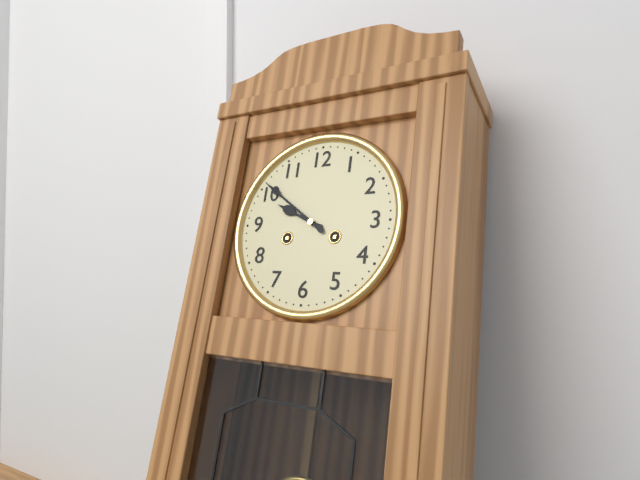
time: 9:51
